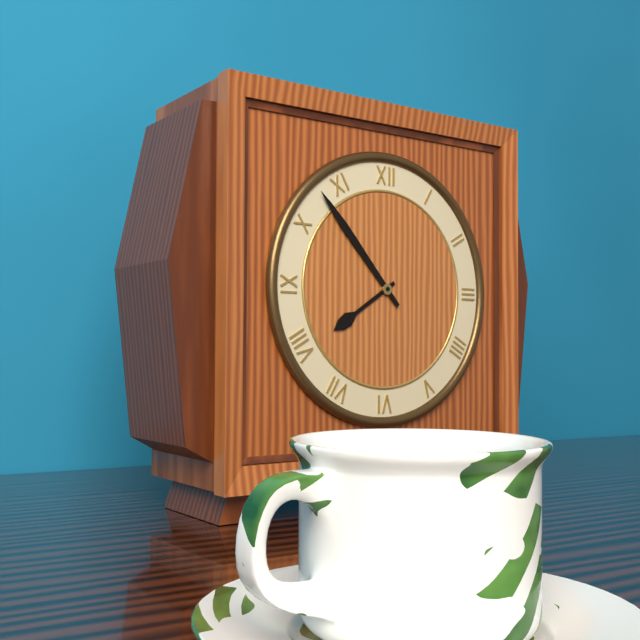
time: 7:53
